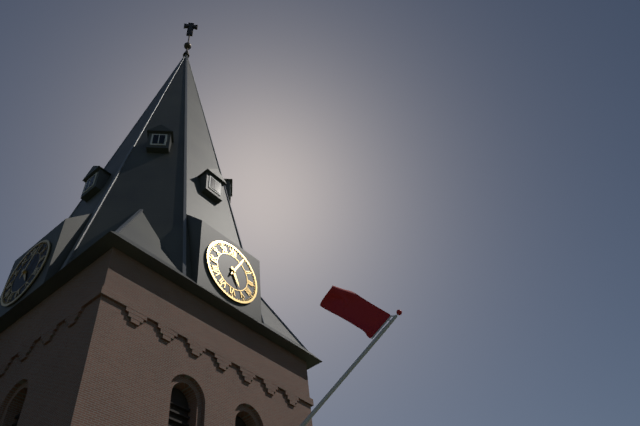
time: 5:05
